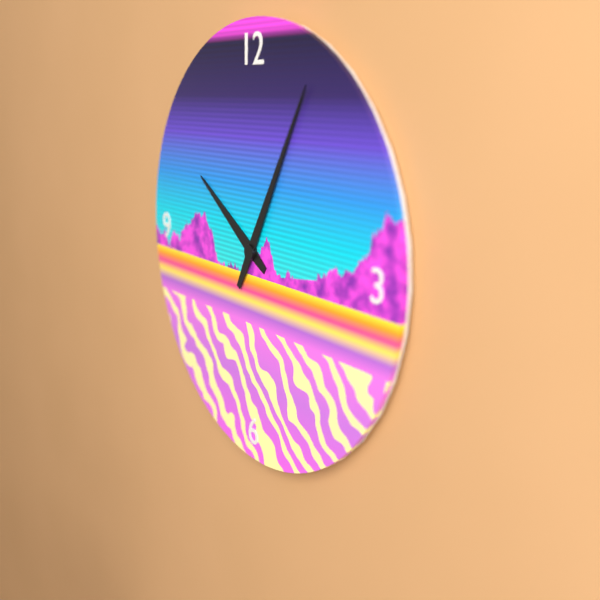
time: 10:05
